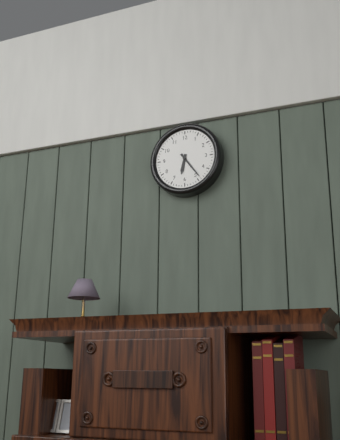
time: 6:24
